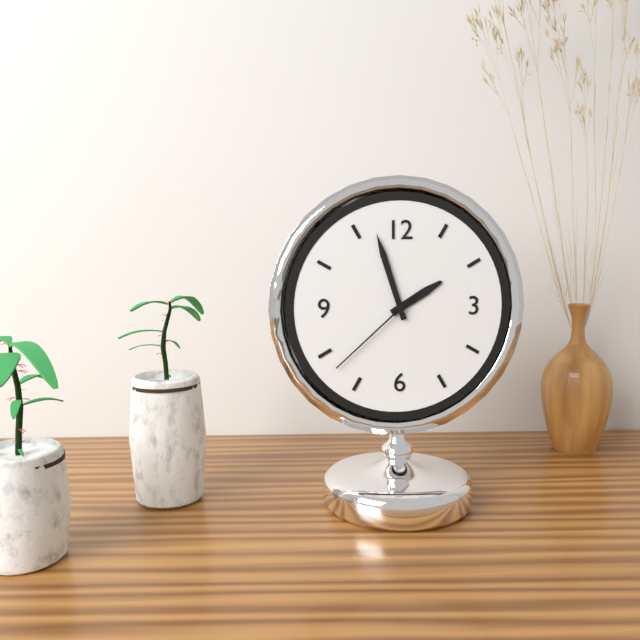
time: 1:57:38
